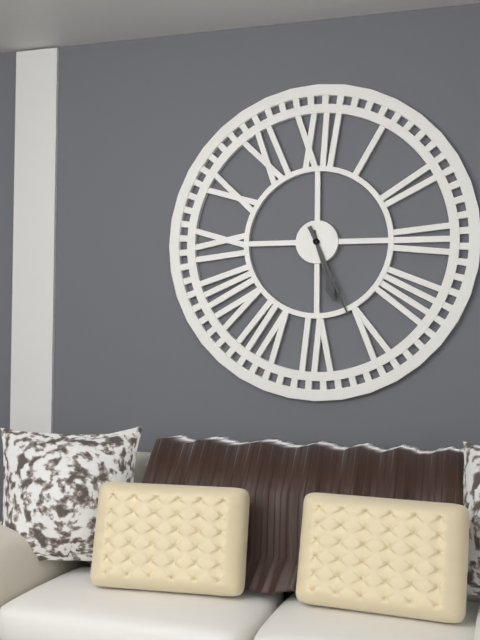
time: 5:26
